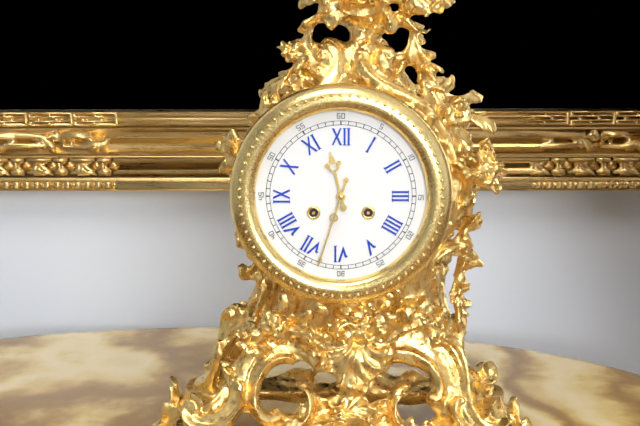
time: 11:33
